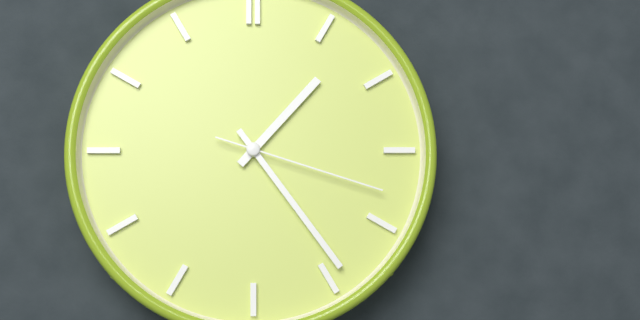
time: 1:24:18
